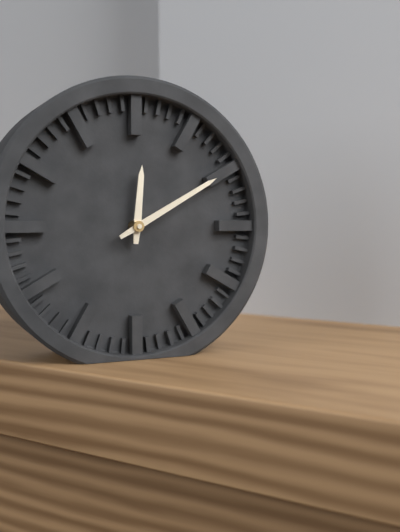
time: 12:10
